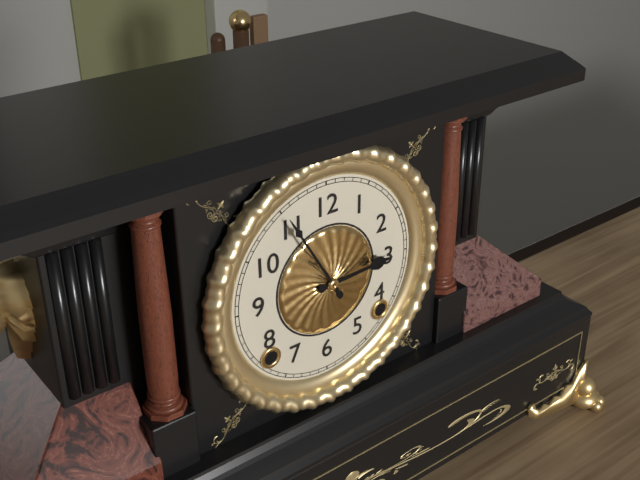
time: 2:55
